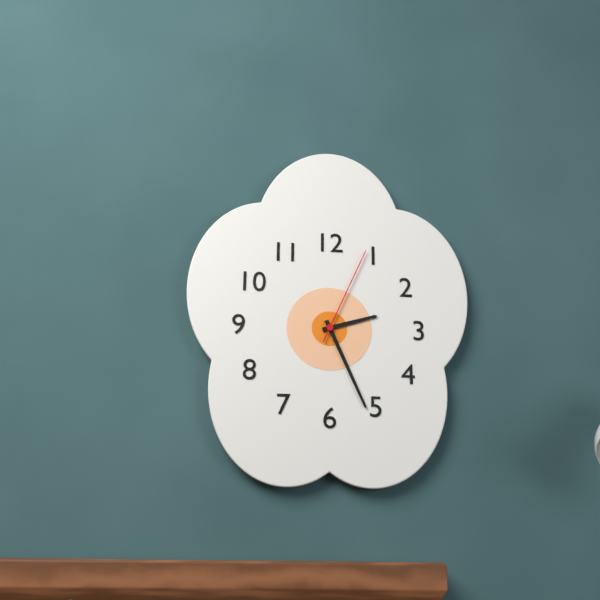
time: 2:26:04
